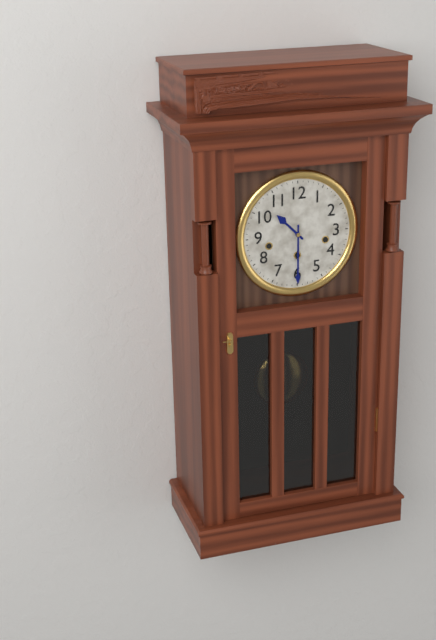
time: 10:30
